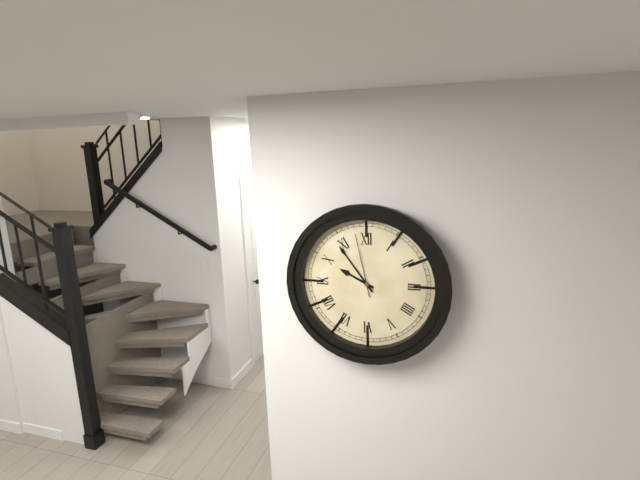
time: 9:54:58
